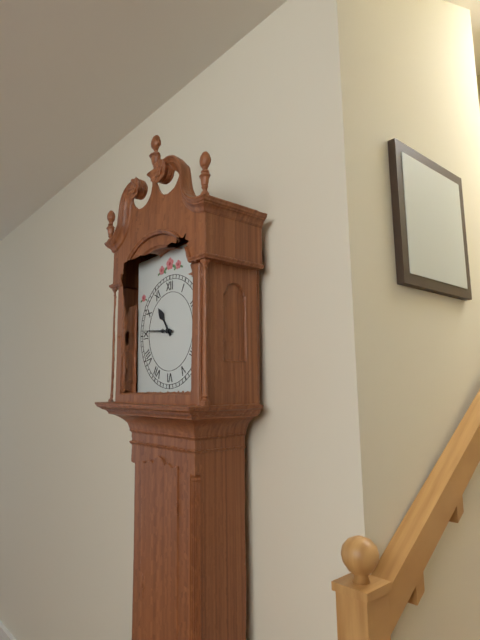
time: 10:46
